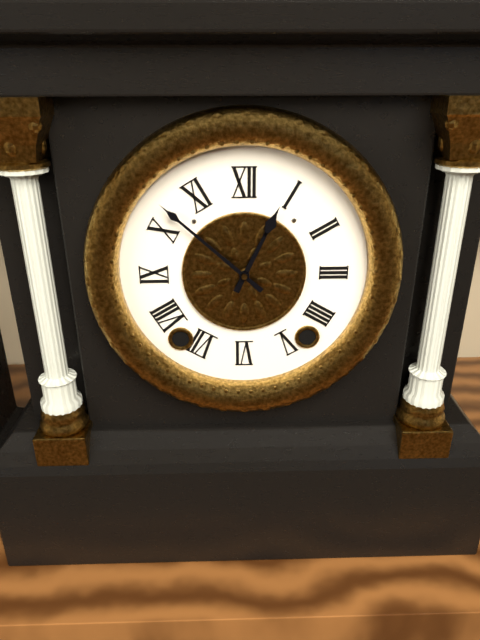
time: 12:52
